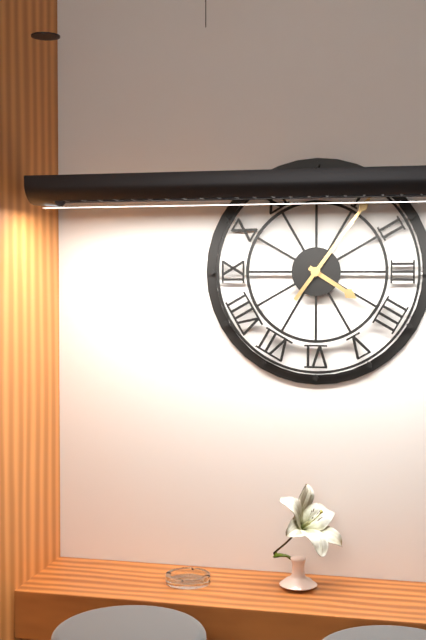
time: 4:06
